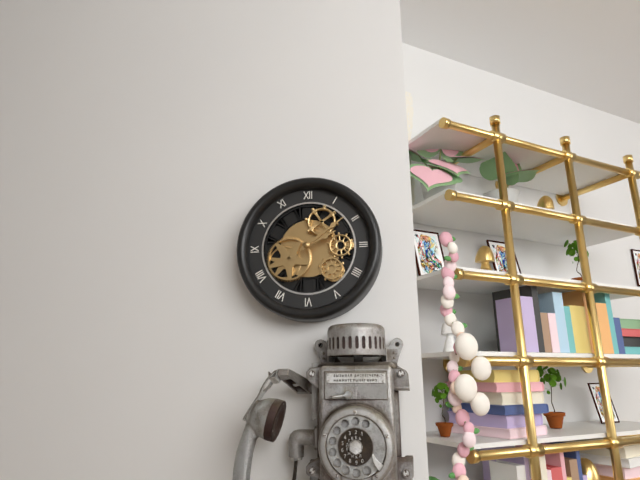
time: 2:09
